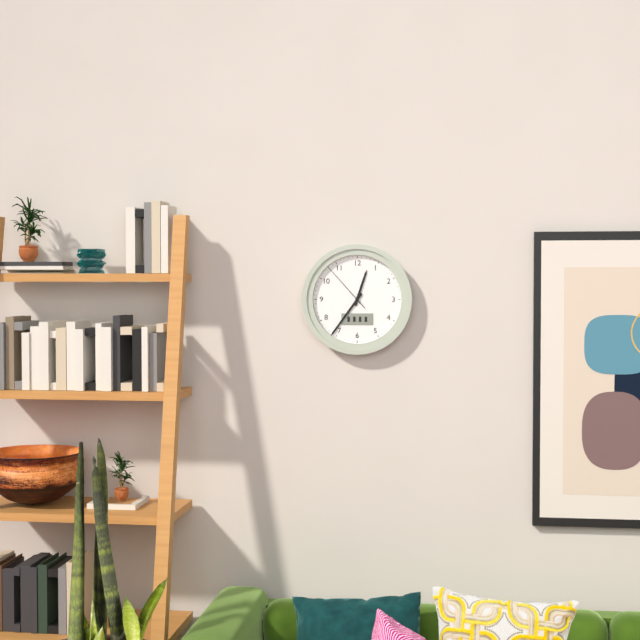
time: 12:36:53
